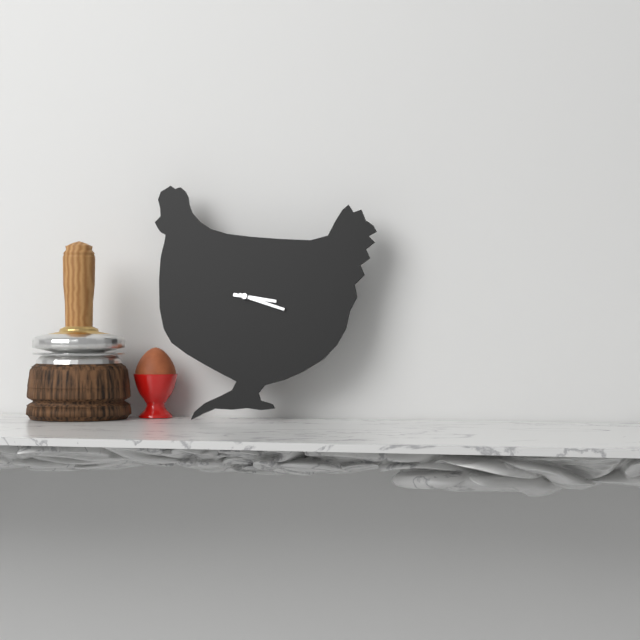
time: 3:18
